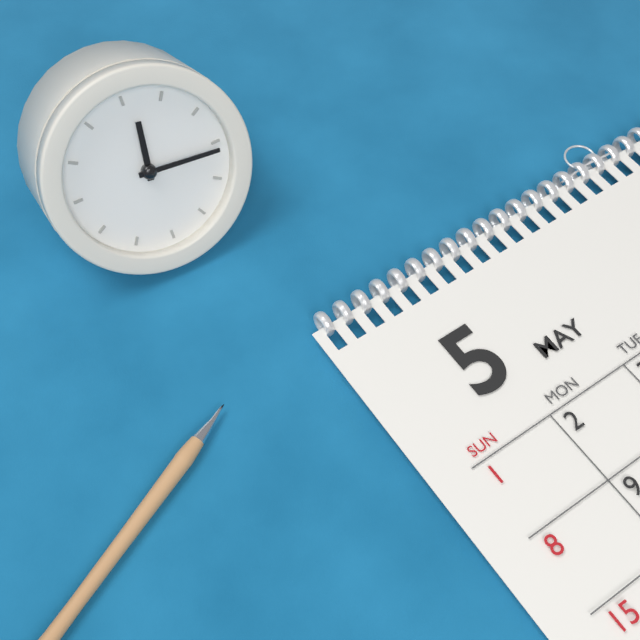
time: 12:16
